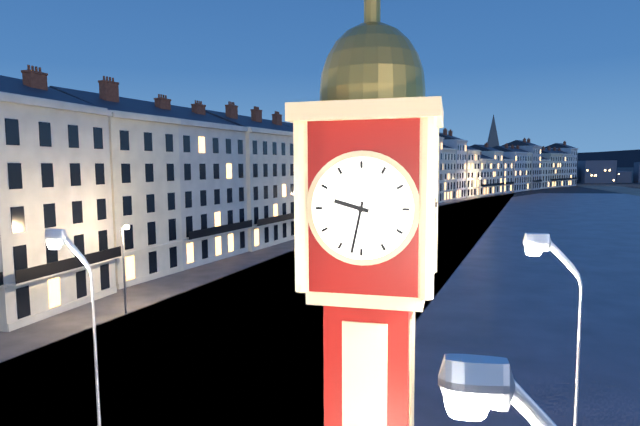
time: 9:32
